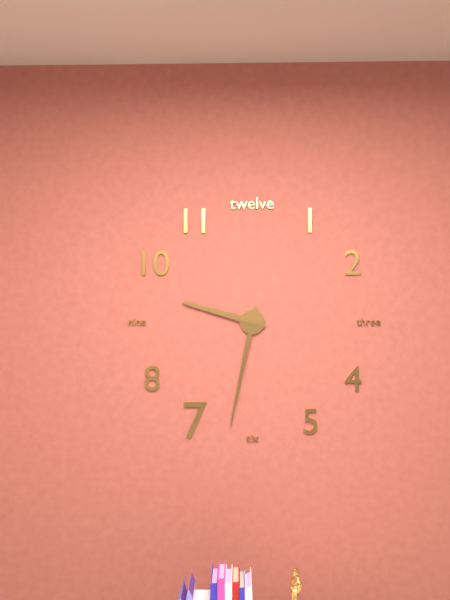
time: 9:32
